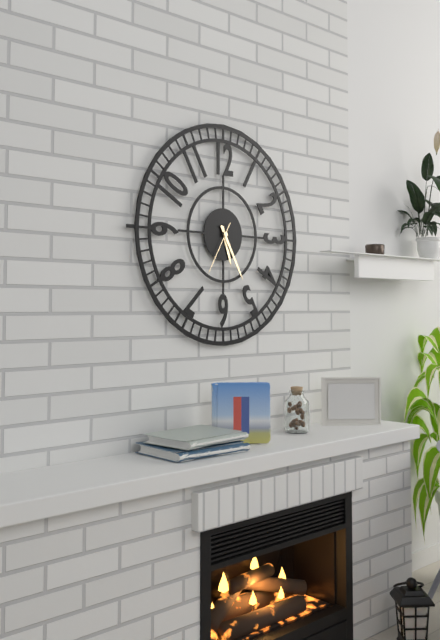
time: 5:25:35
